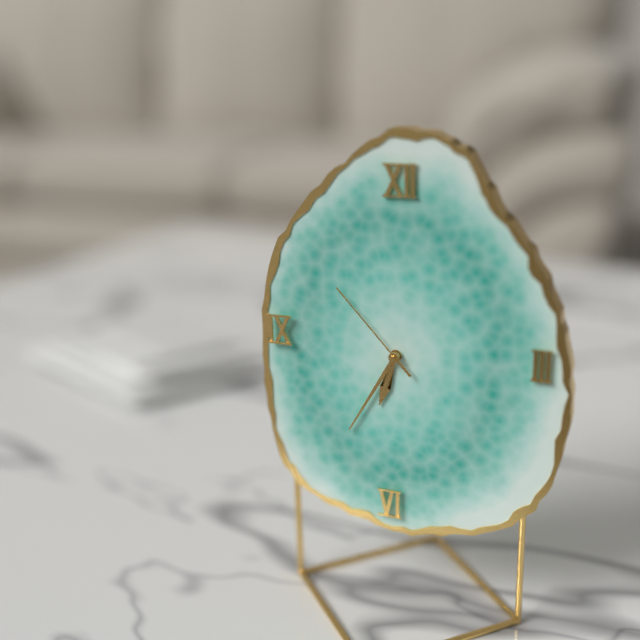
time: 6:35:53
